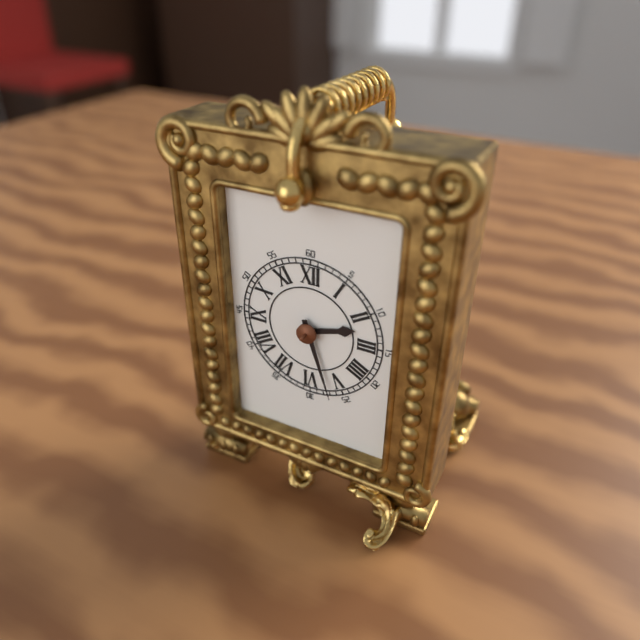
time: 2:27
